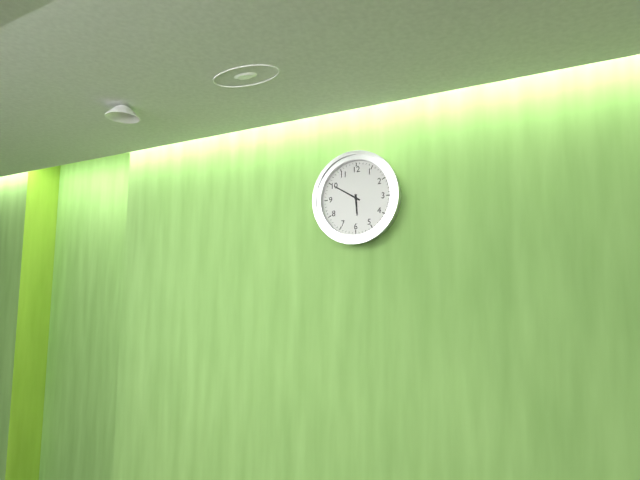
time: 5:50
